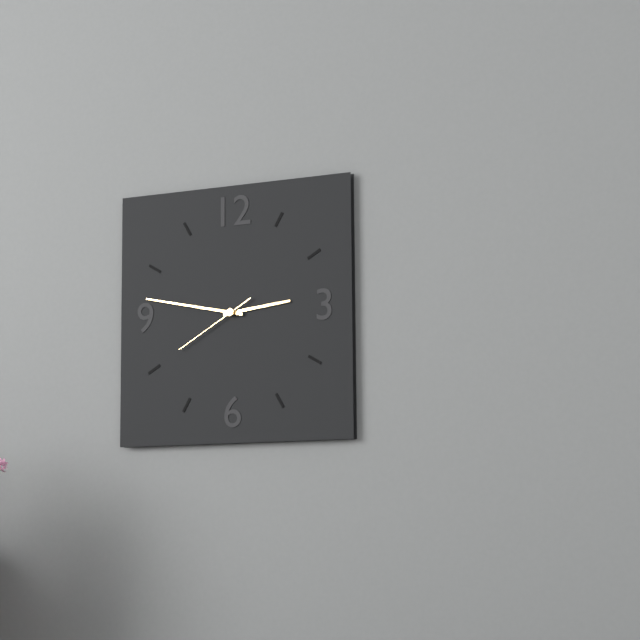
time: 2:47:40
